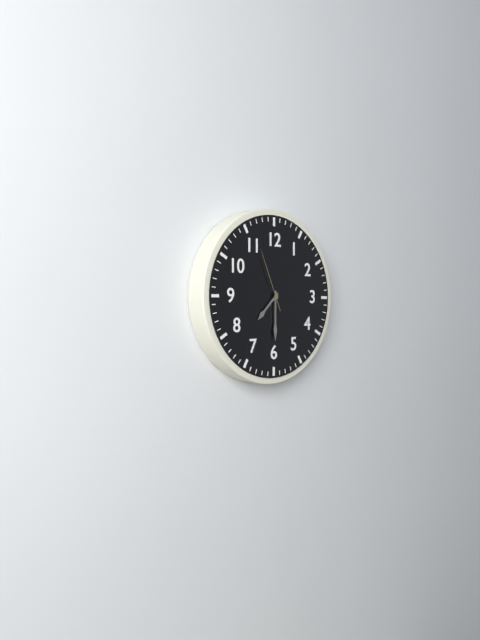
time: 7:30:56
